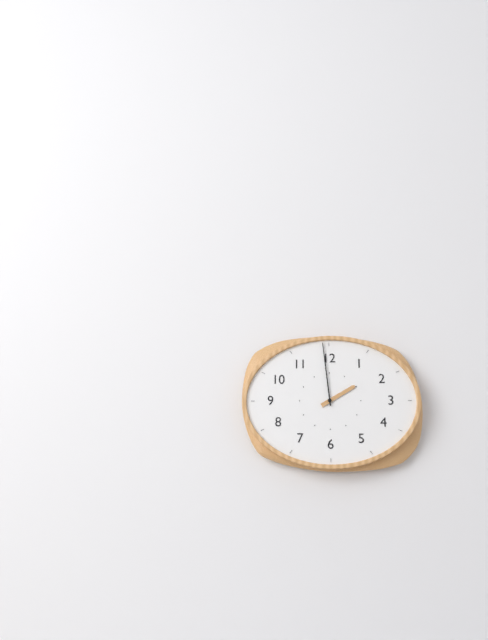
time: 1:59
